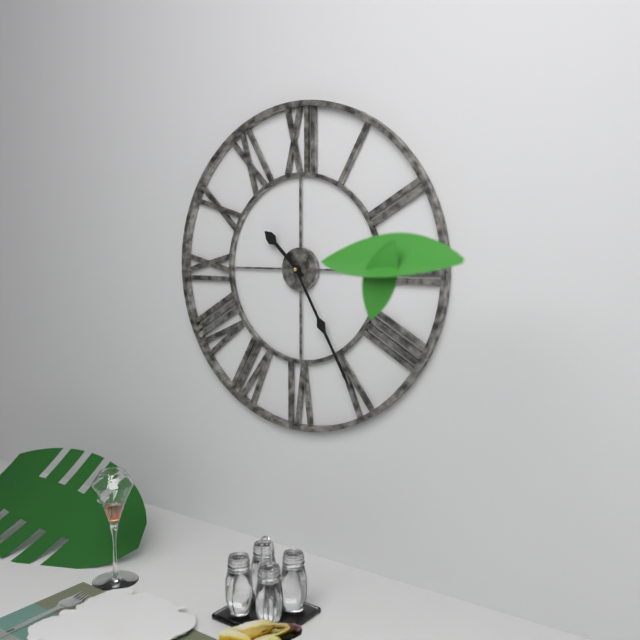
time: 10:25
